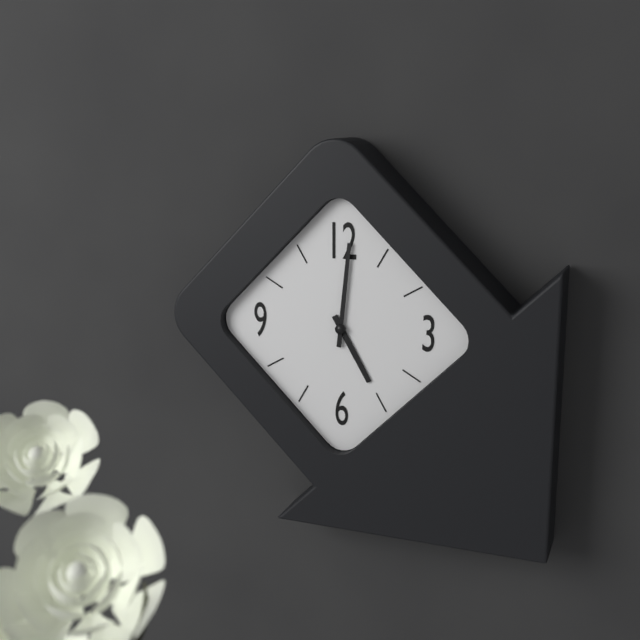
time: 5:01
